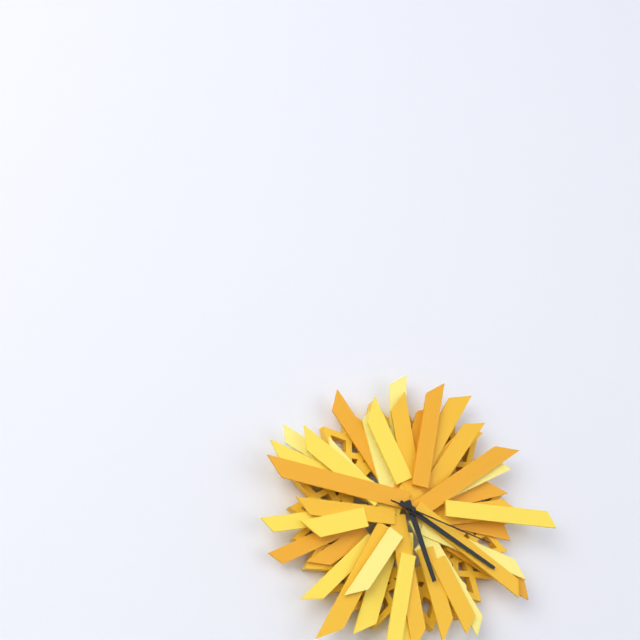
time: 5:20:18
